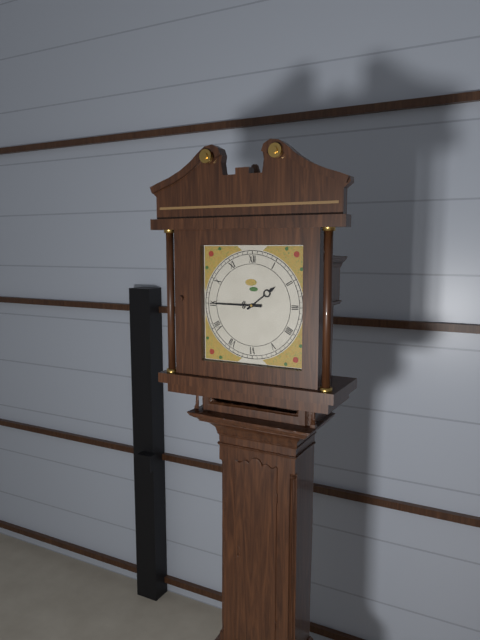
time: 1:45
